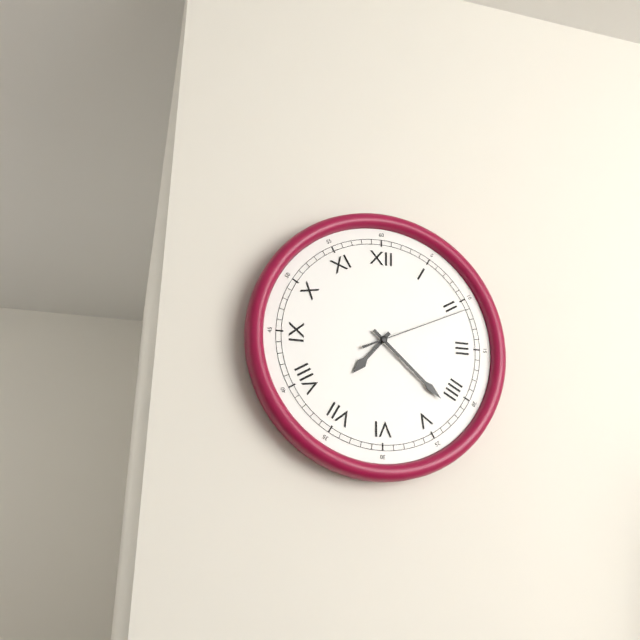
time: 7:22:11
